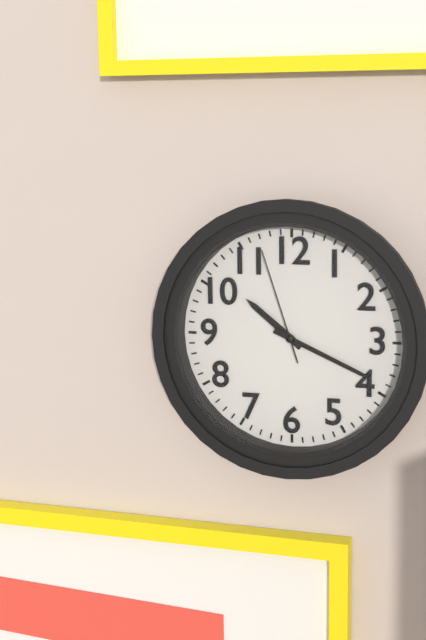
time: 10:19:57
